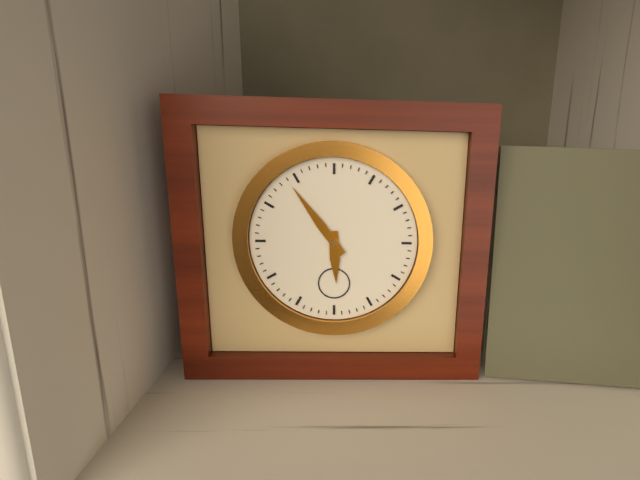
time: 5:54
